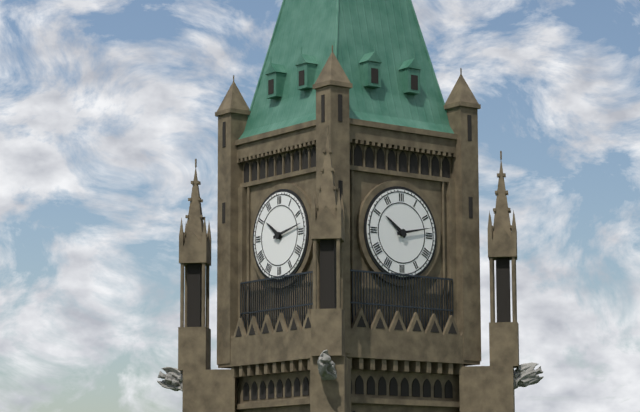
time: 10:13
